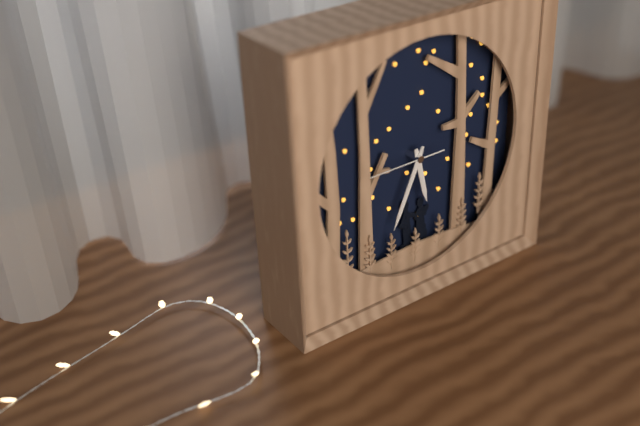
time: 5:34:45
